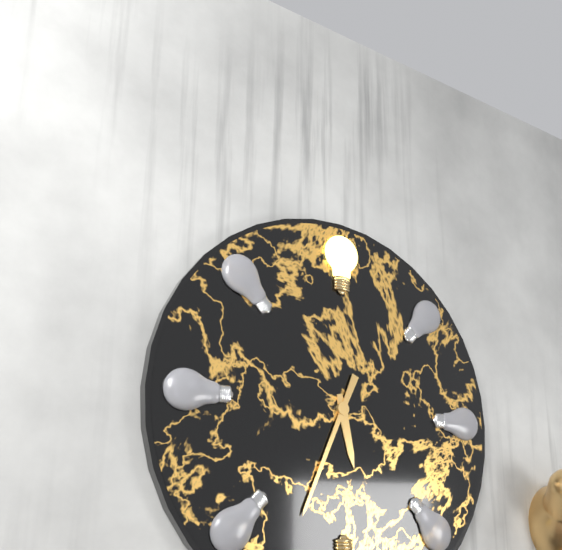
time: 5:34
